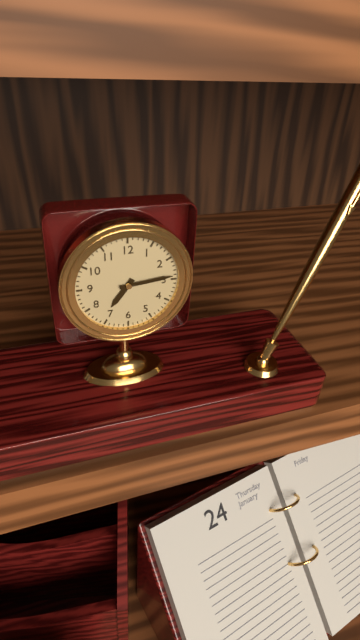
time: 7:14
